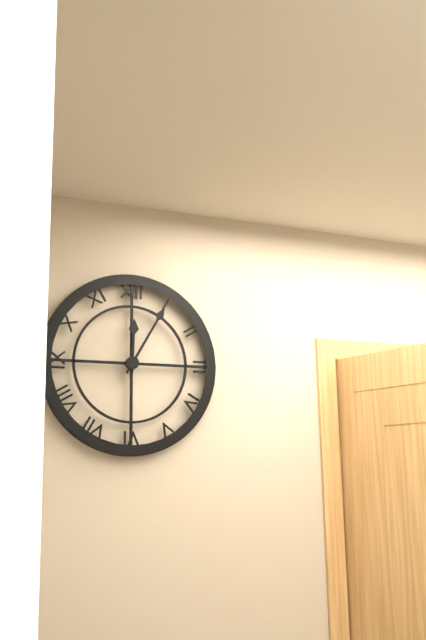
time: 12:05
